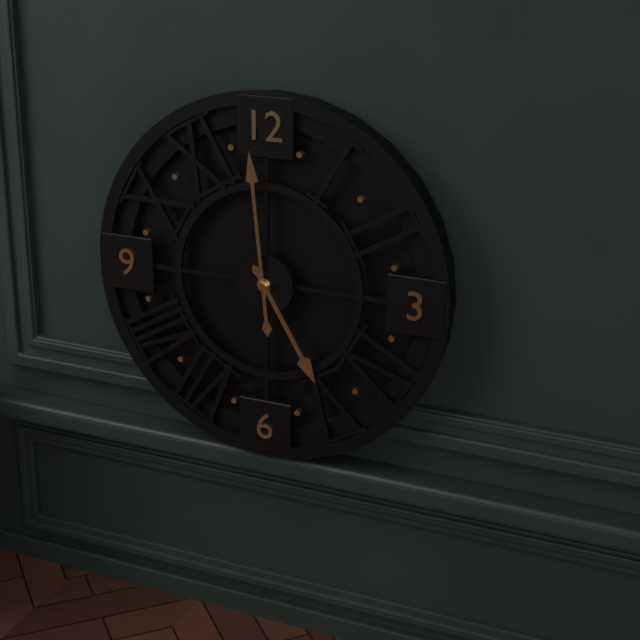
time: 4:59
